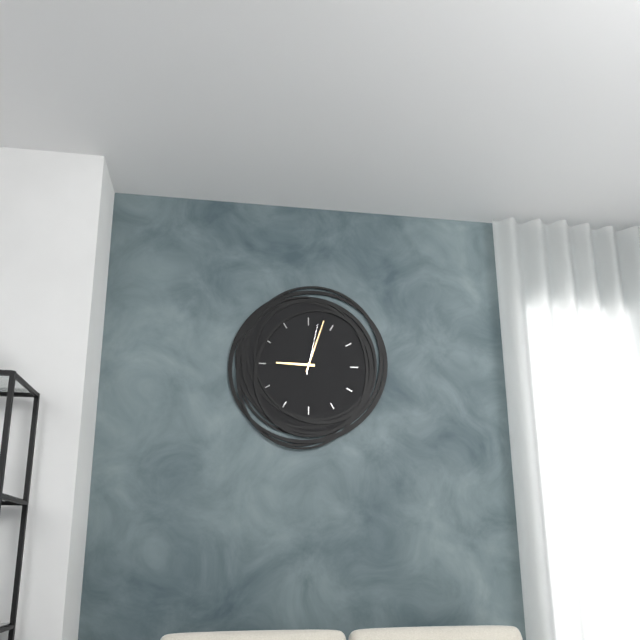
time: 9:03:02
